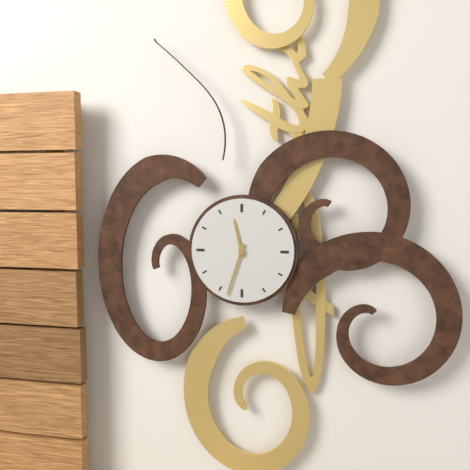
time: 11:33
